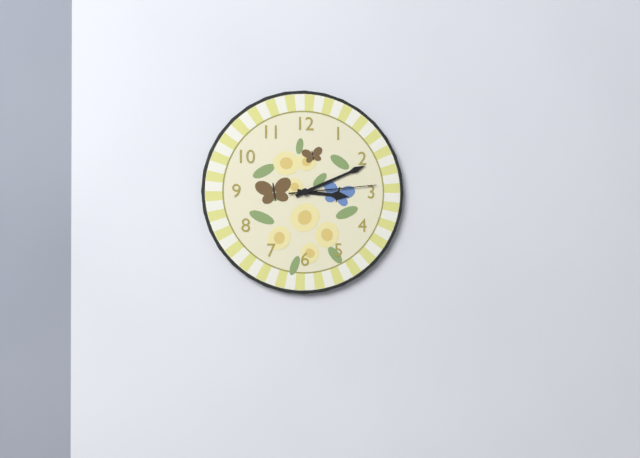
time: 3:11:14
